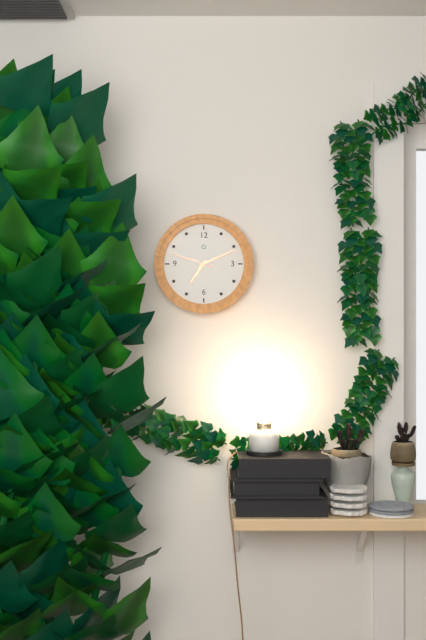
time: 7:11
